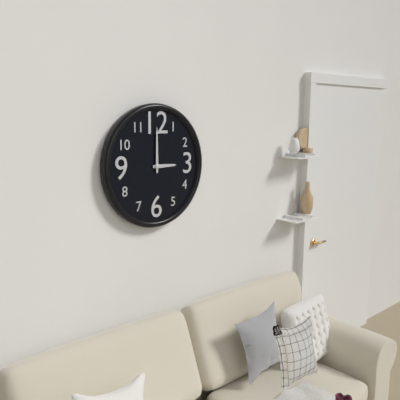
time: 3:00
